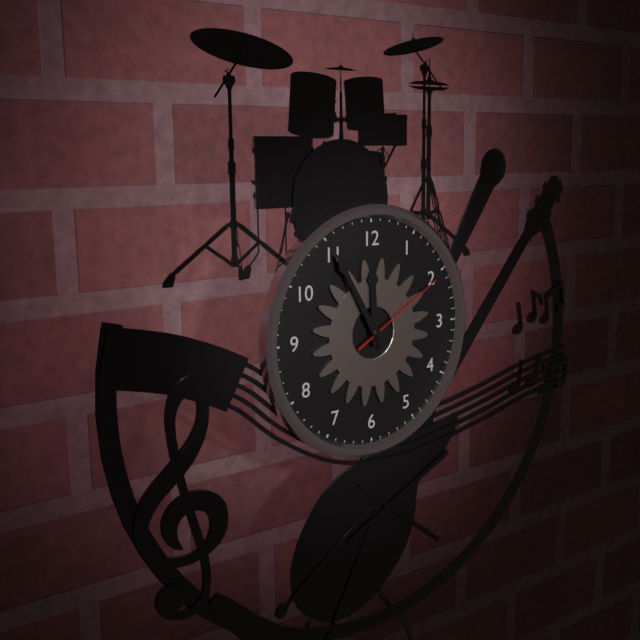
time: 11:55:10
